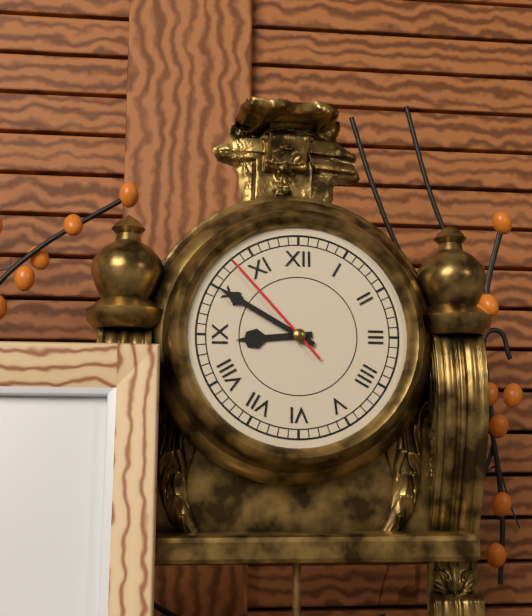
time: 8:50:53
